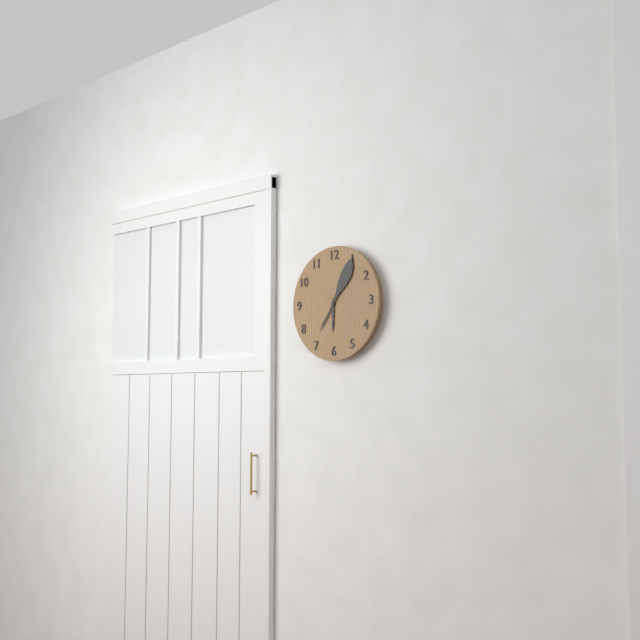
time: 6:05
